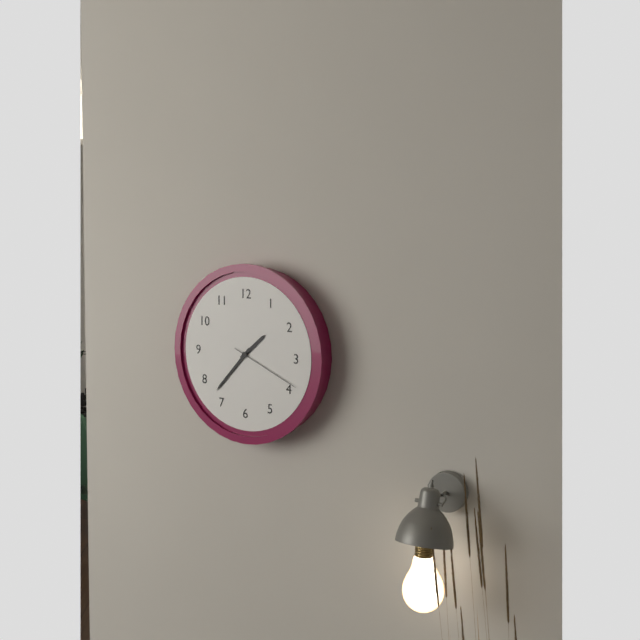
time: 1:37:19
